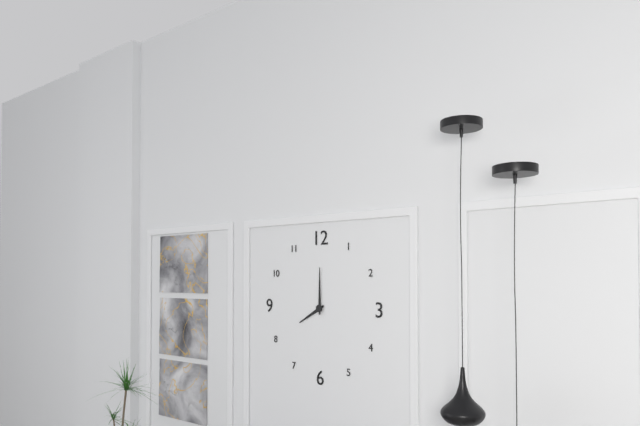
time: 8:00
